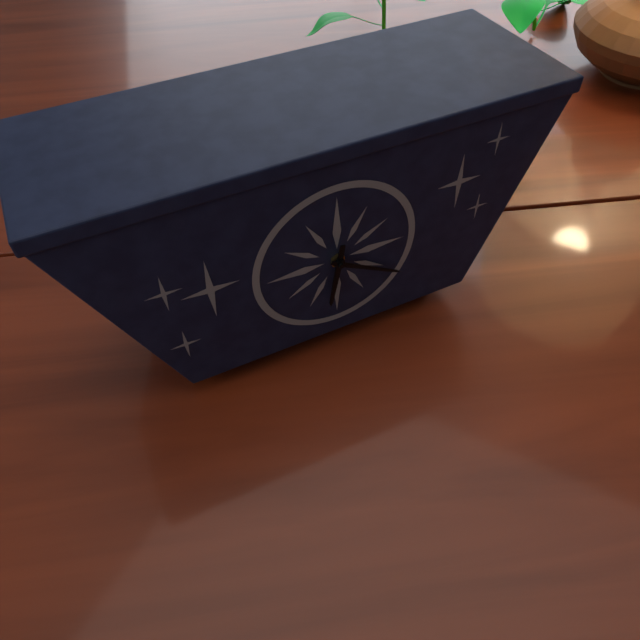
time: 6:20
